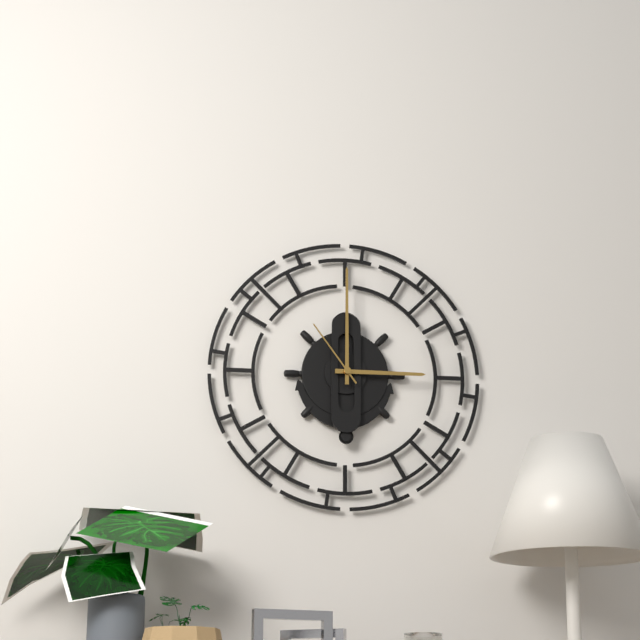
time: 3:00:54
